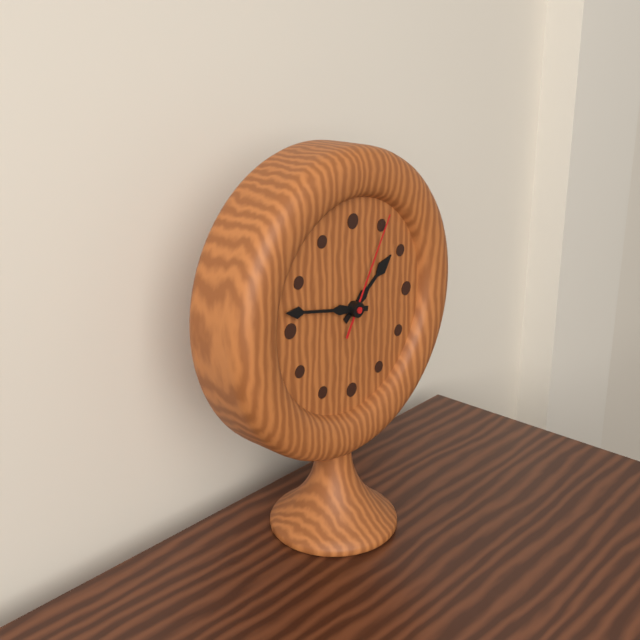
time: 1:47:05
